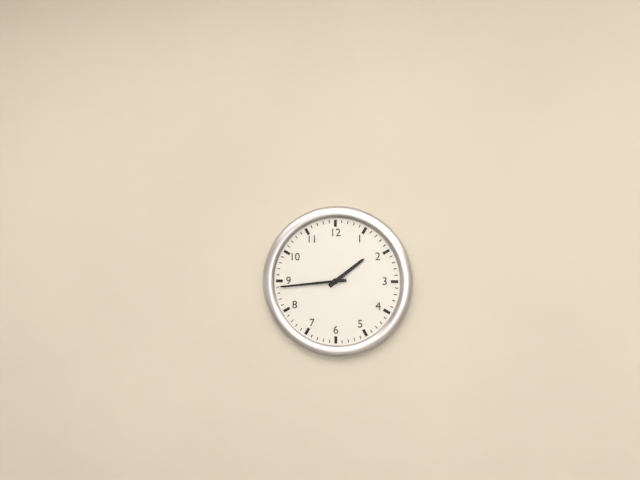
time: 1:44
